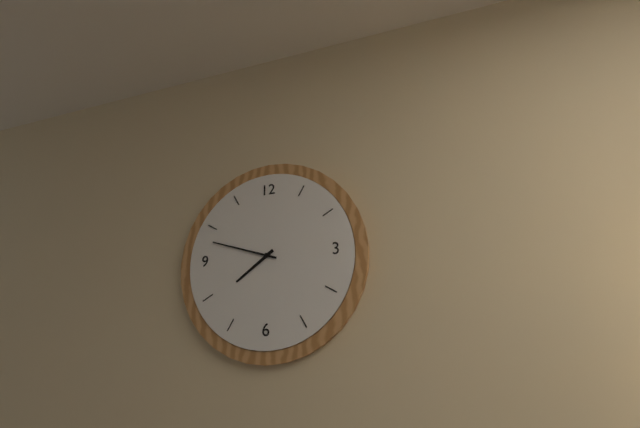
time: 7:48
